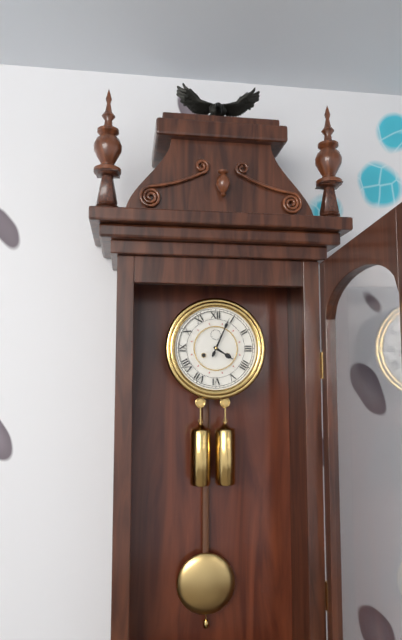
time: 4:04
